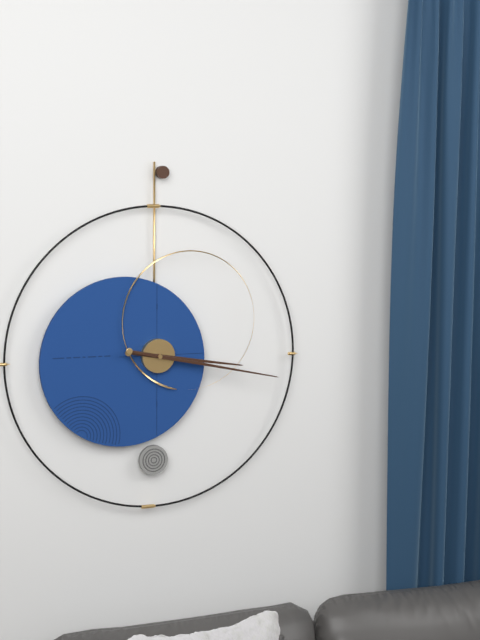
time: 3:17
